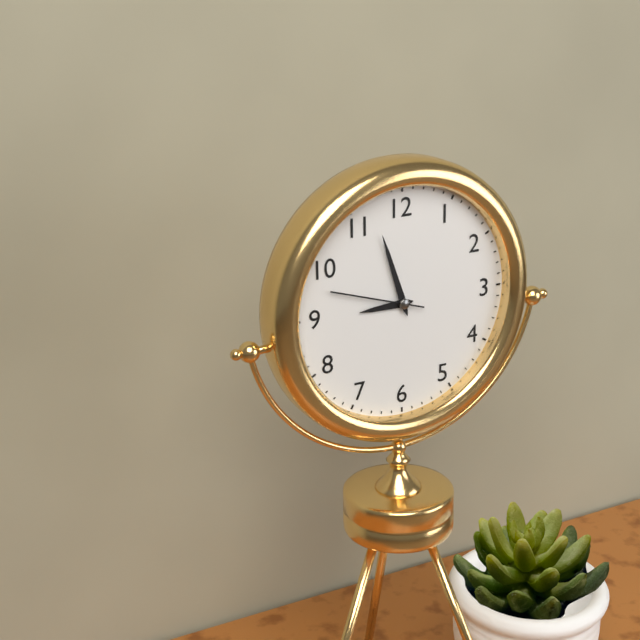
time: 8:57:48
